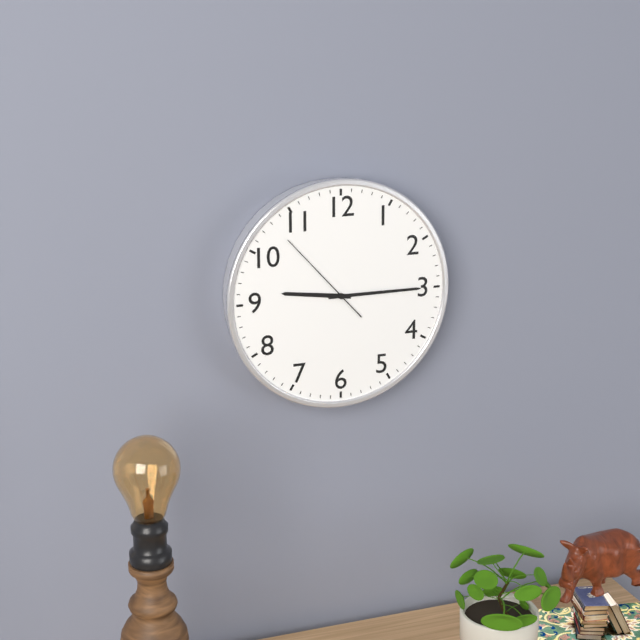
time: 9:15:53
